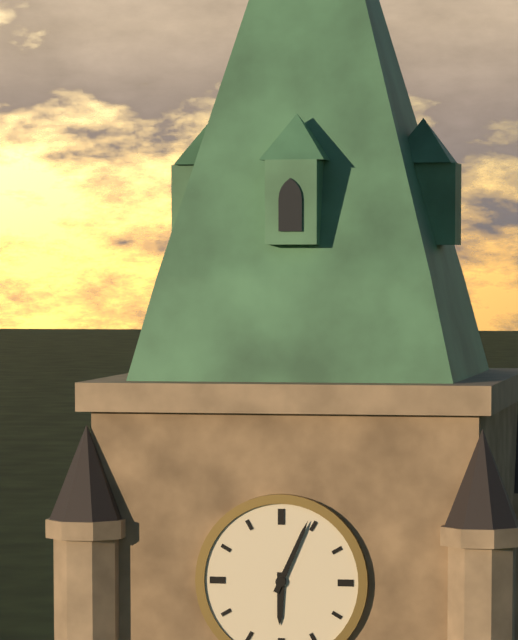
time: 6:04
